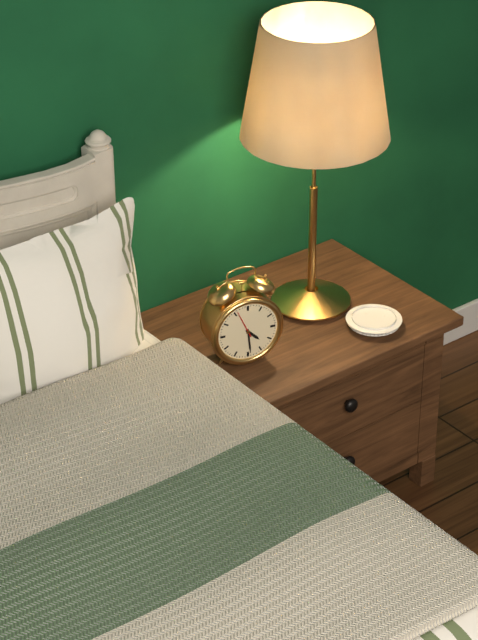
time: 4:29
